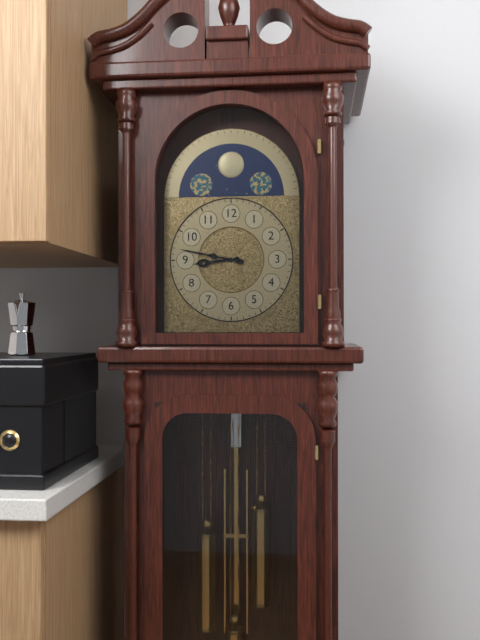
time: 8:47
